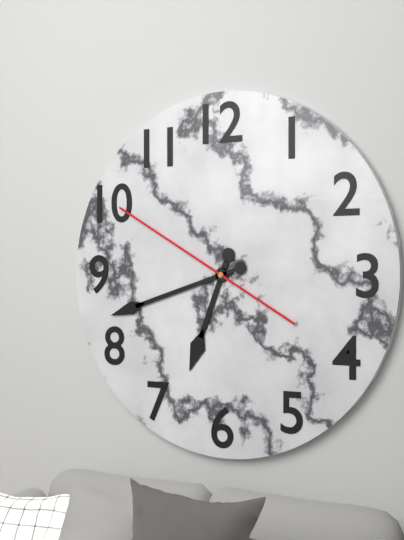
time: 6:42:50
